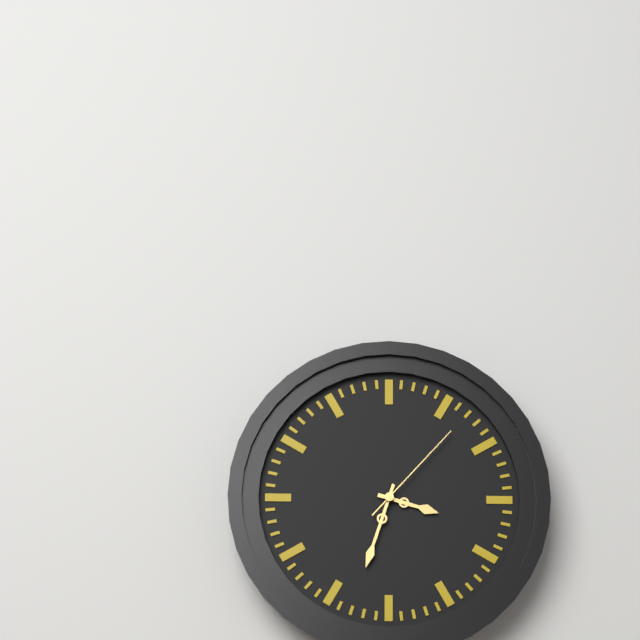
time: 3:33:07
